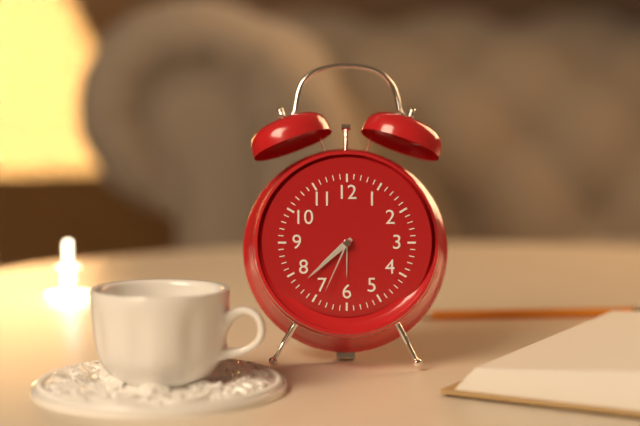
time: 7:38:34
